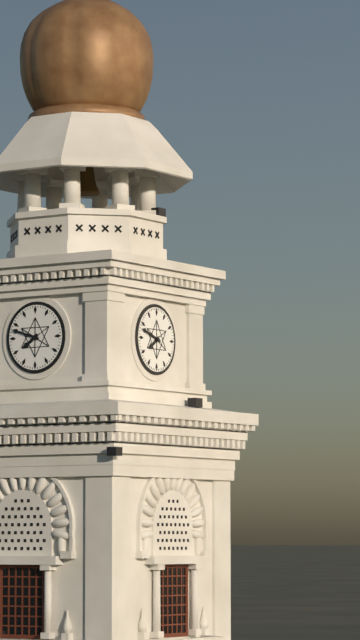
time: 7:48
